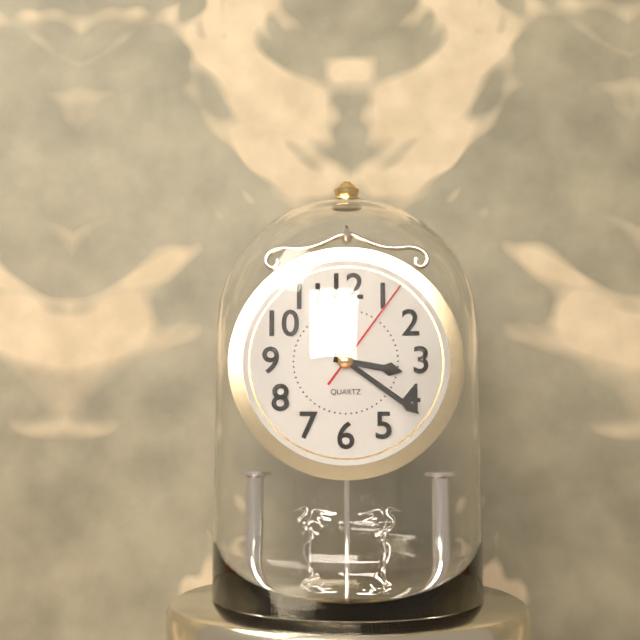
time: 3:21:06
